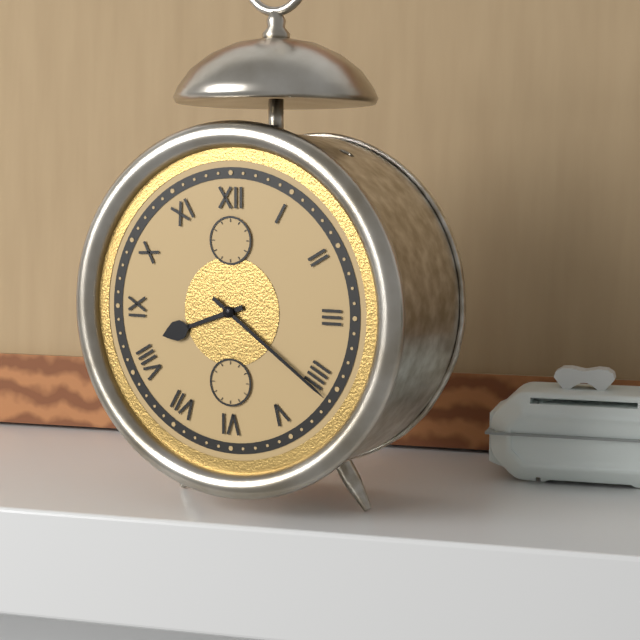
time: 8:21
